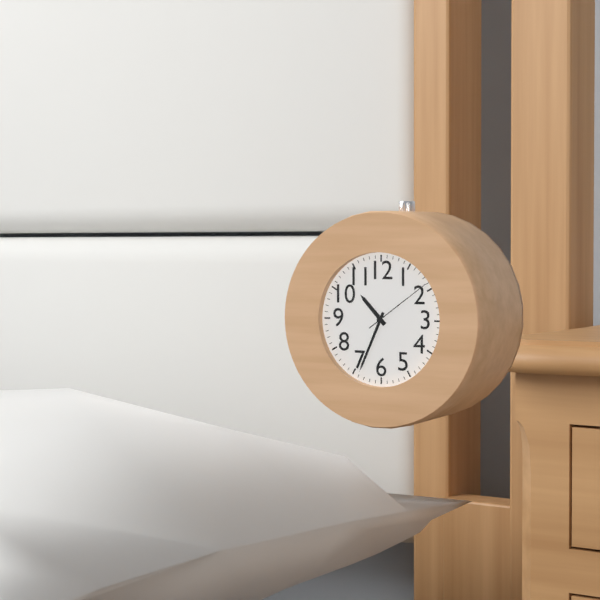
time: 10:34:09
